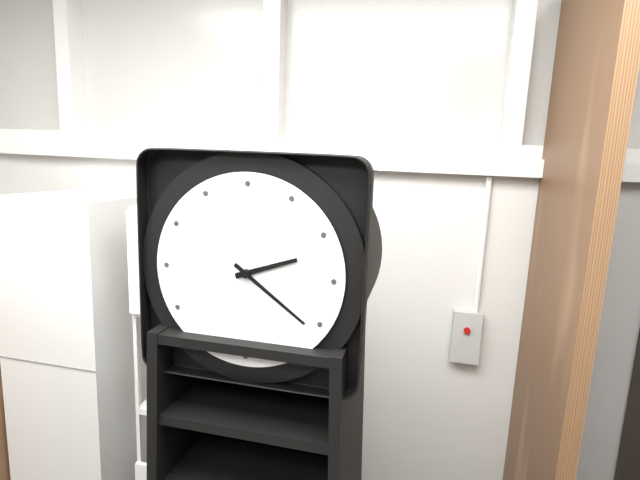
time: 2:21
